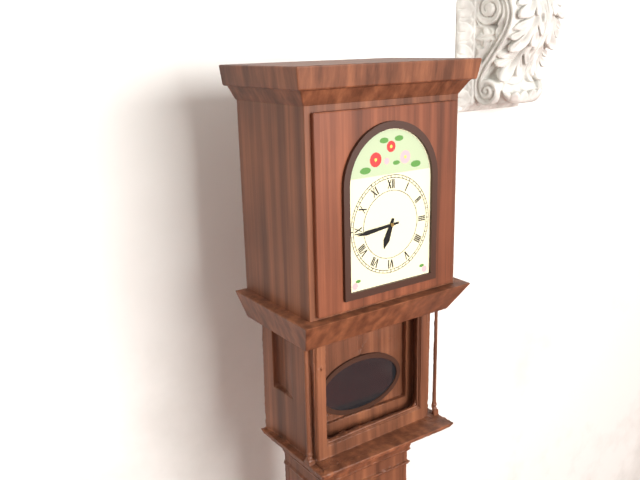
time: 6:44
